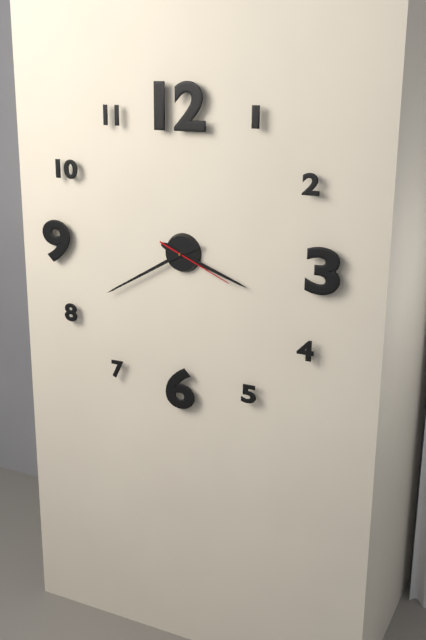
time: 3:40:19
